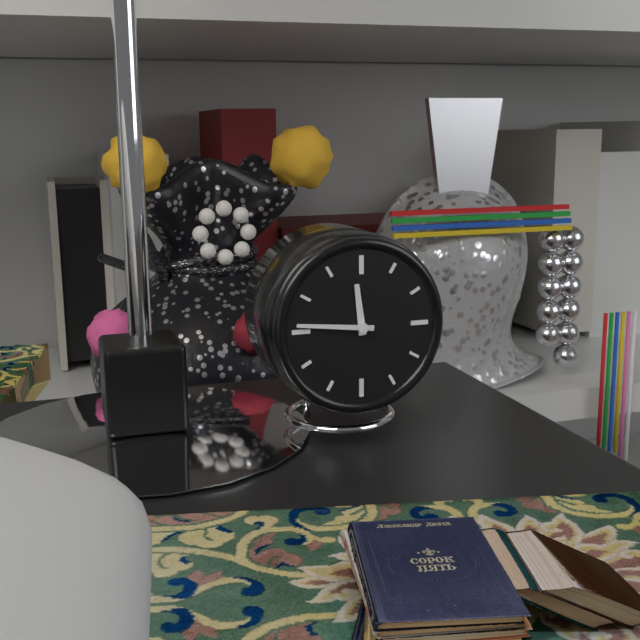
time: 11:46
